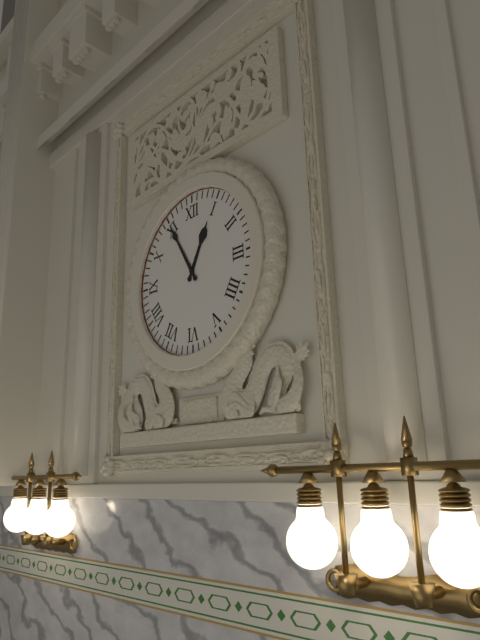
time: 12:55
